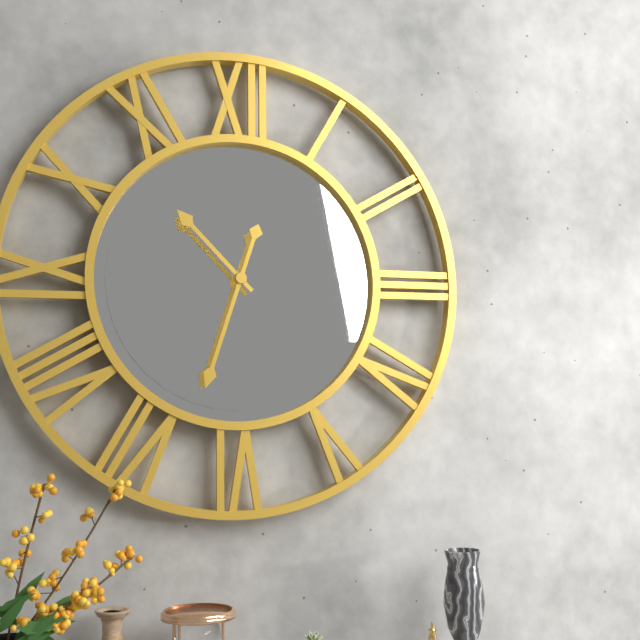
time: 10:33
